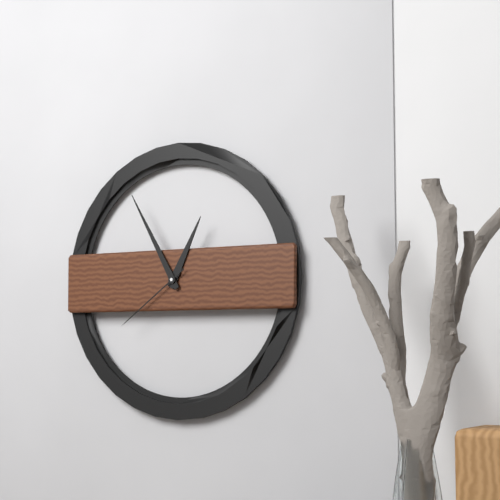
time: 12:55:39
